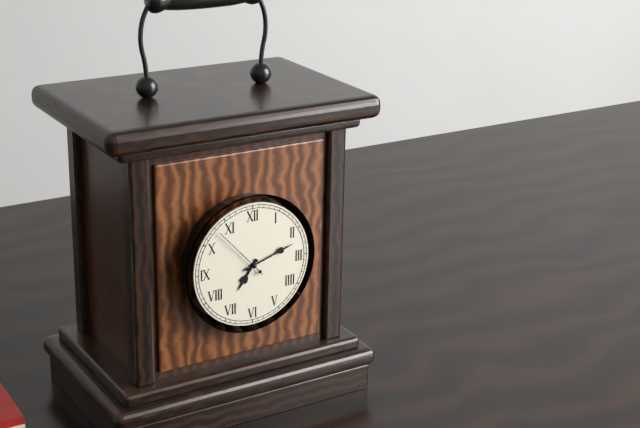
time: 7:12:53
